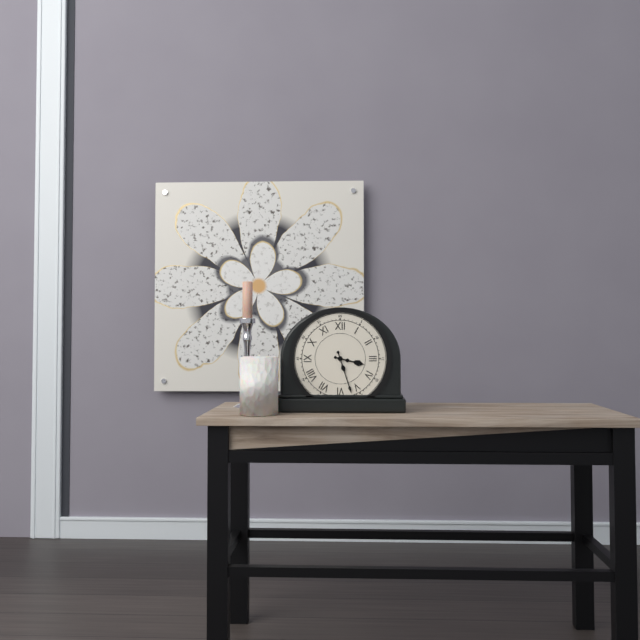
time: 3:27
